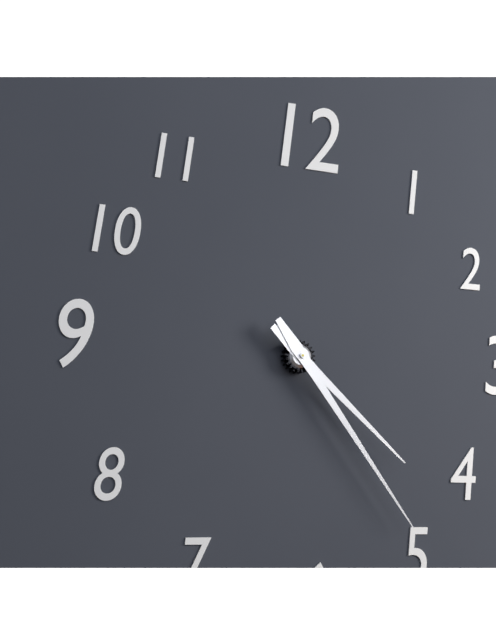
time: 4:24
